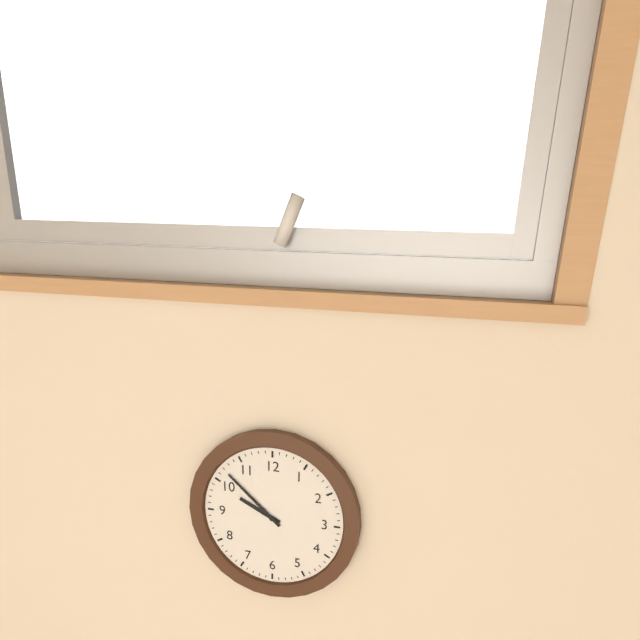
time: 9:52
